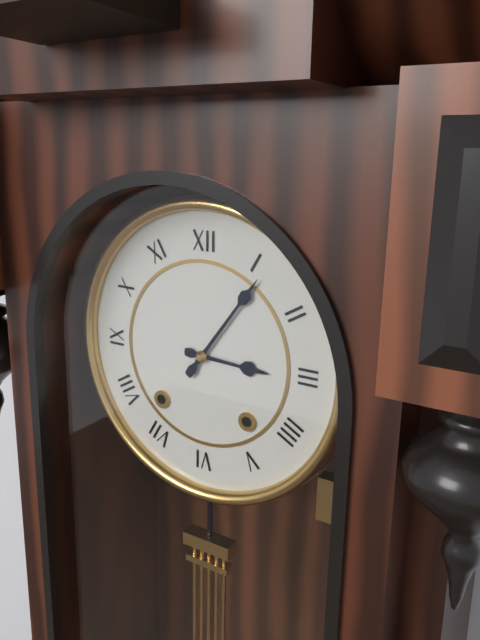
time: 3:06
